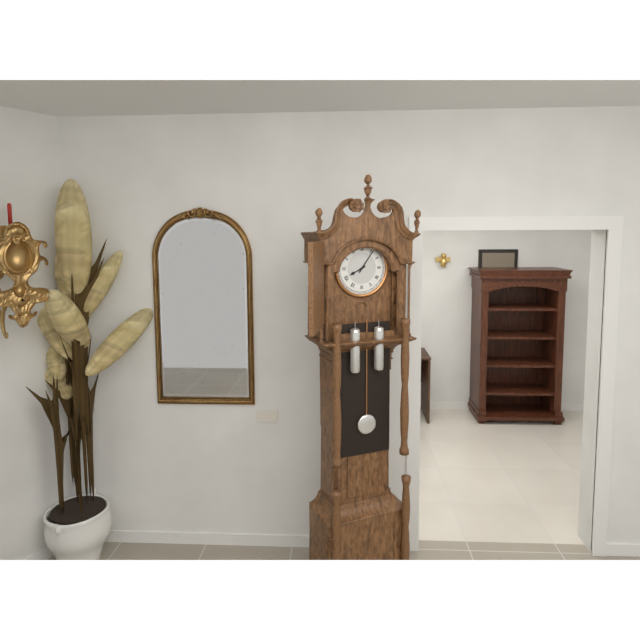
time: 8:06
